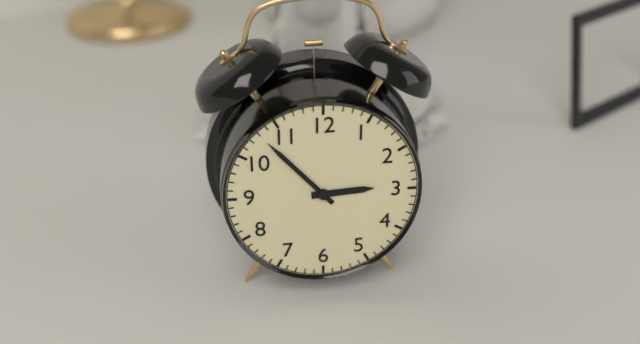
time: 2:53
